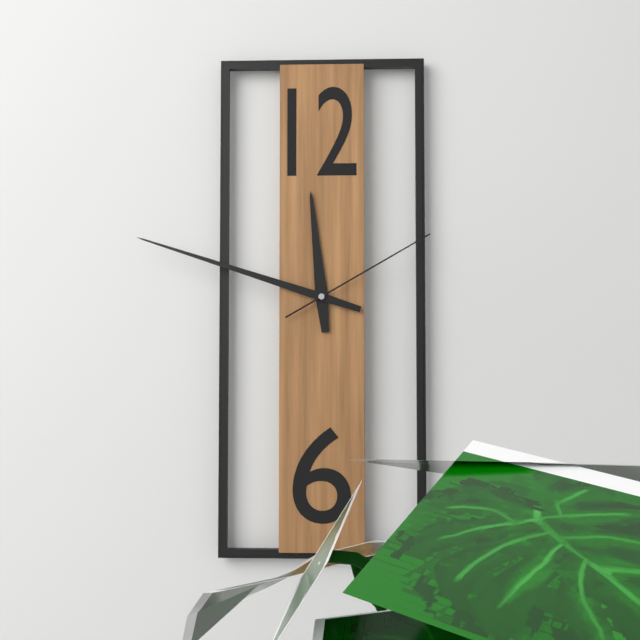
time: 11:48:10
